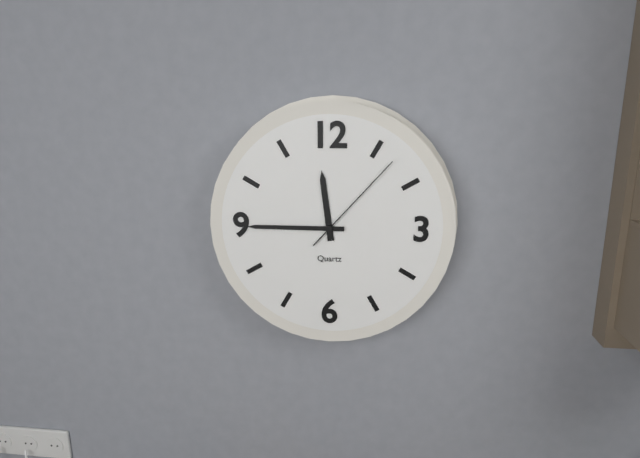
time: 11:45:07
